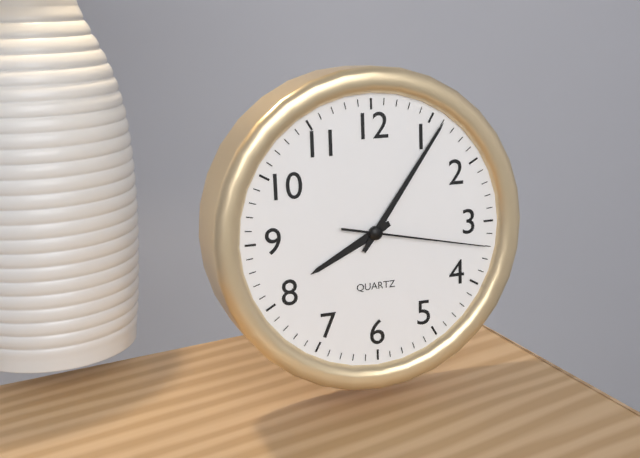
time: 8:06:17
